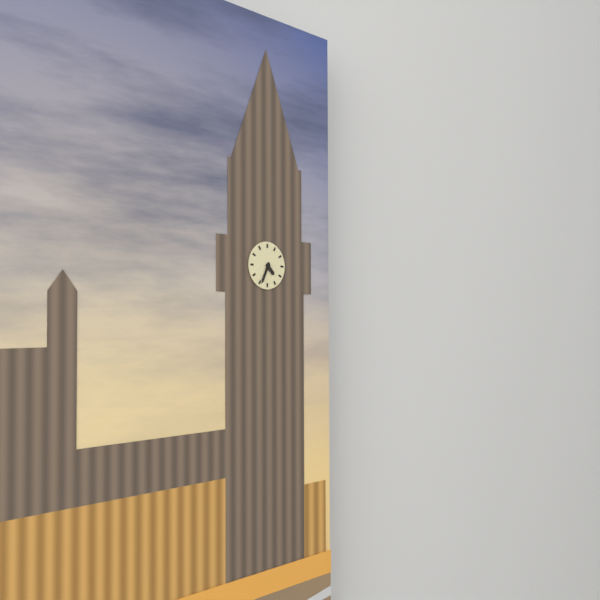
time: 4:34
